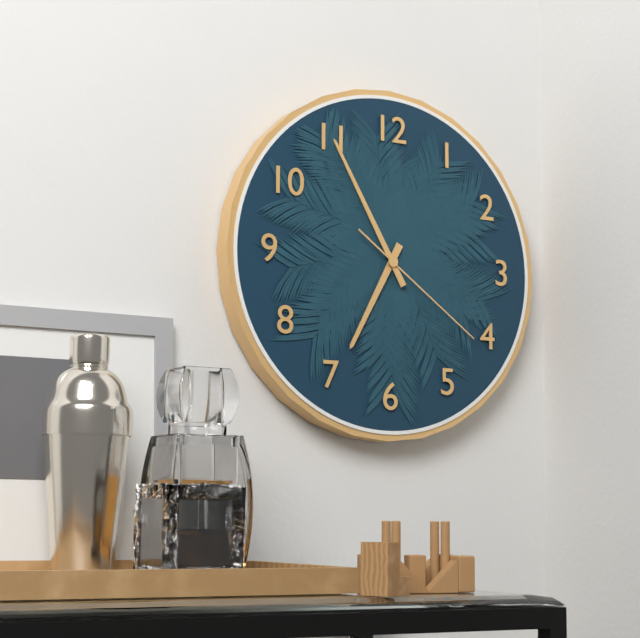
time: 6:55:21
